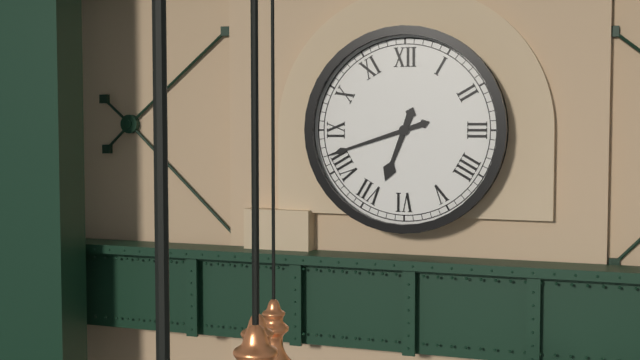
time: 6:42
